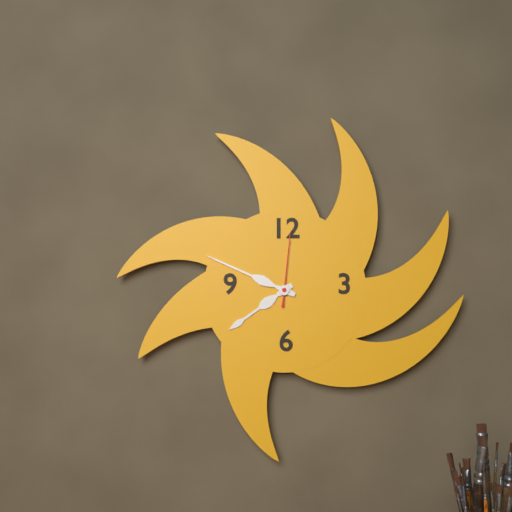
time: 7:49:01
